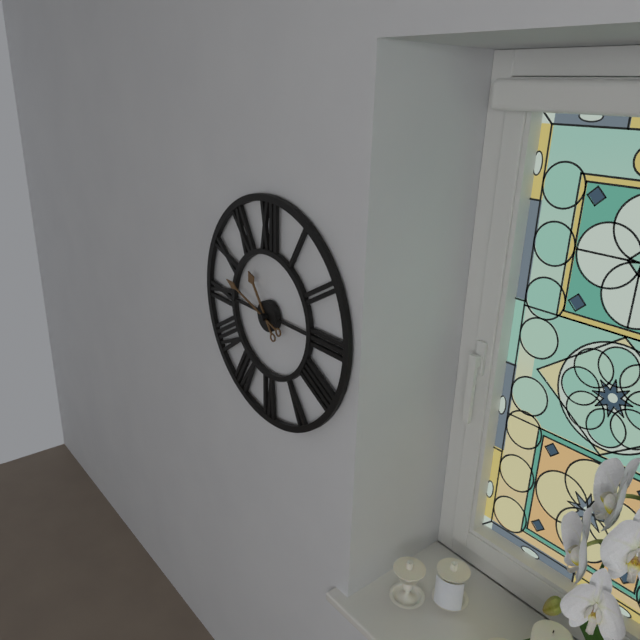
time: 10:48
